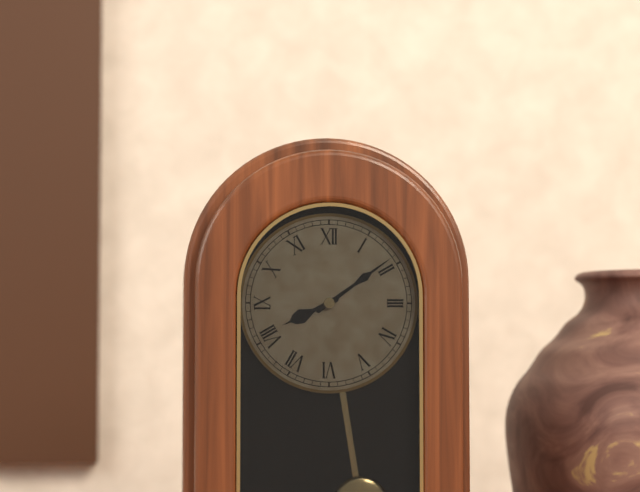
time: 8:09
